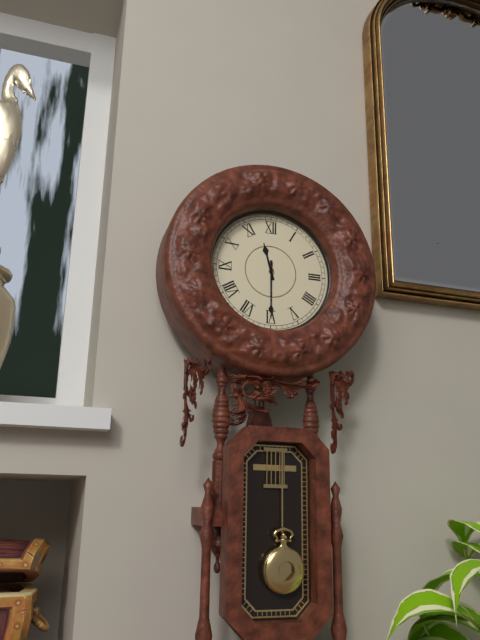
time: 11:30
